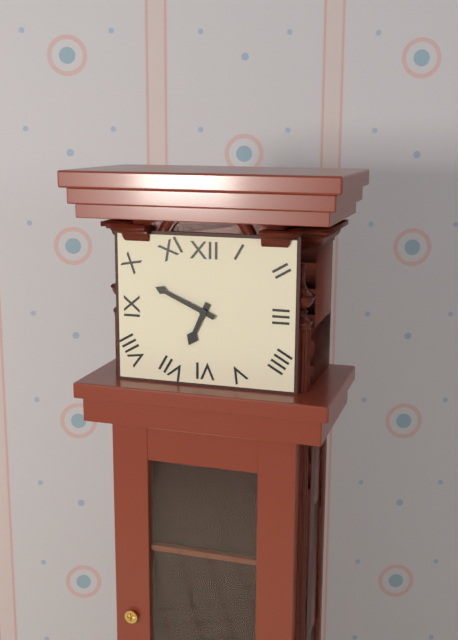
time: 6:49
